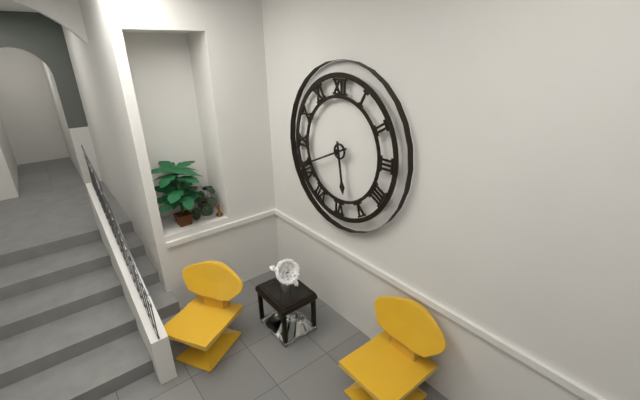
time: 5:41
